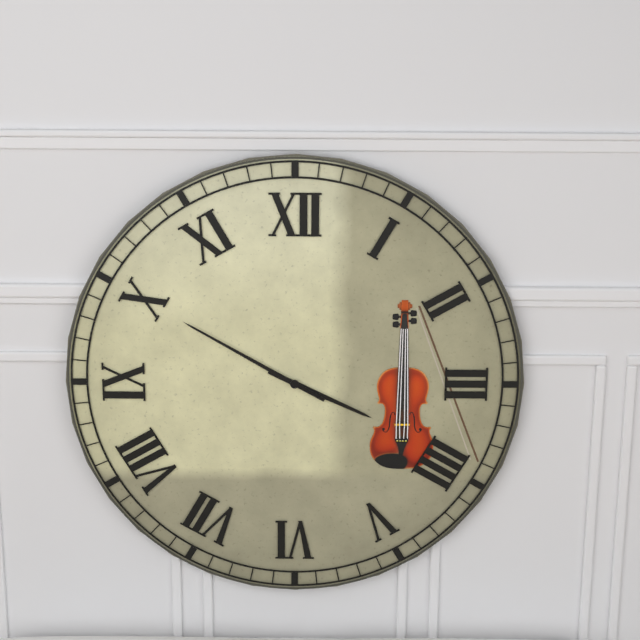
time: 3:50
